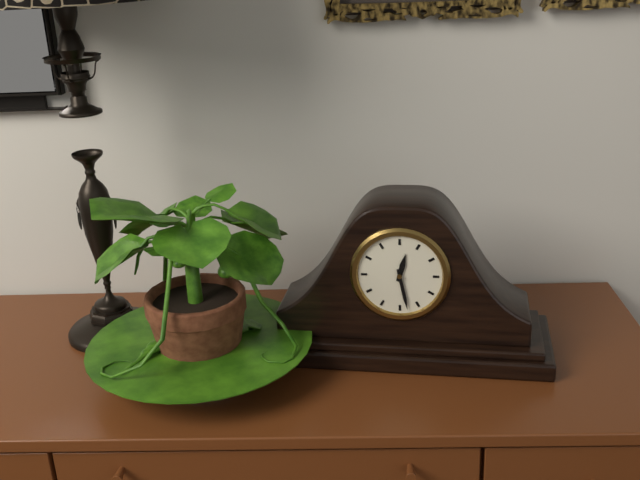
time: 12:28
